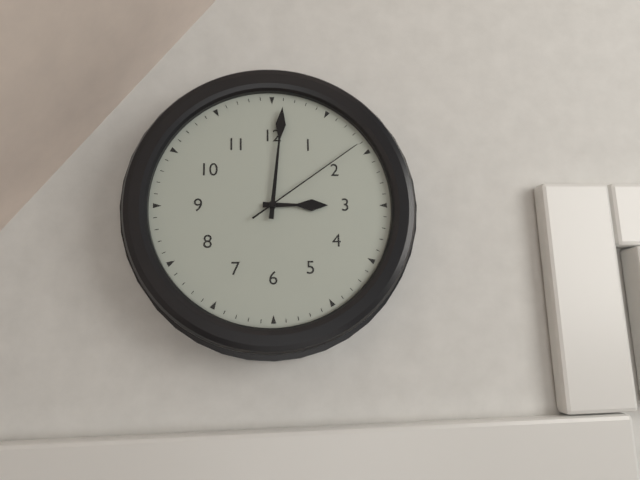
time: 3:01:09
